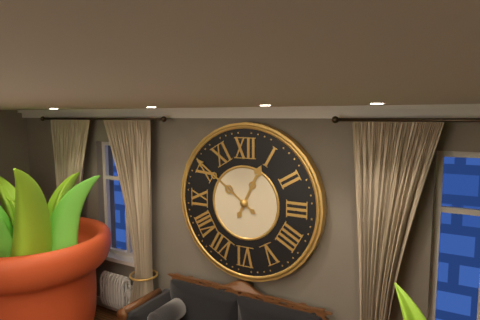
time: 12:51
